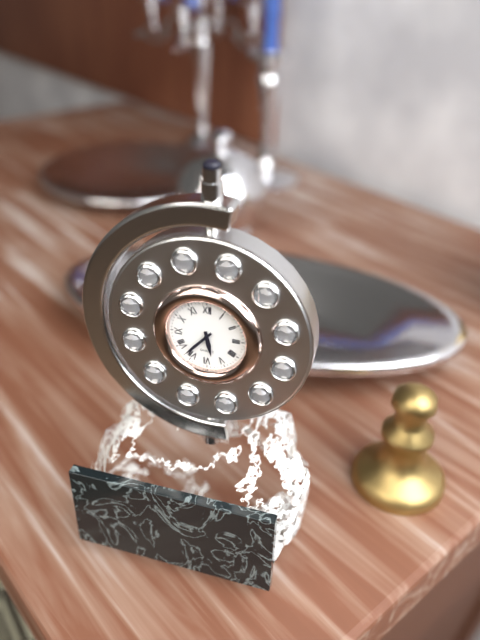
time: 5:37
